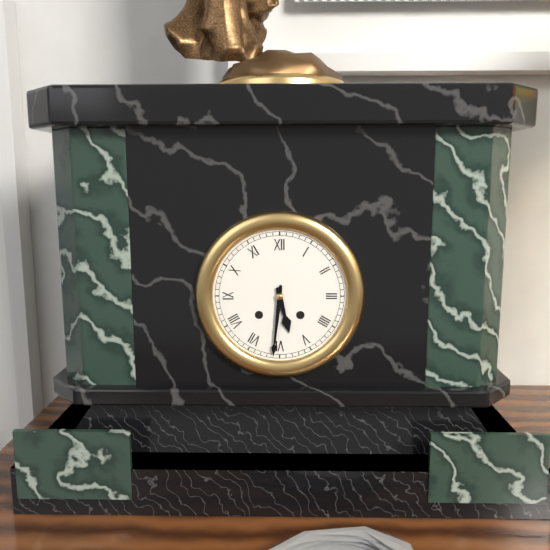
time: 5:31
